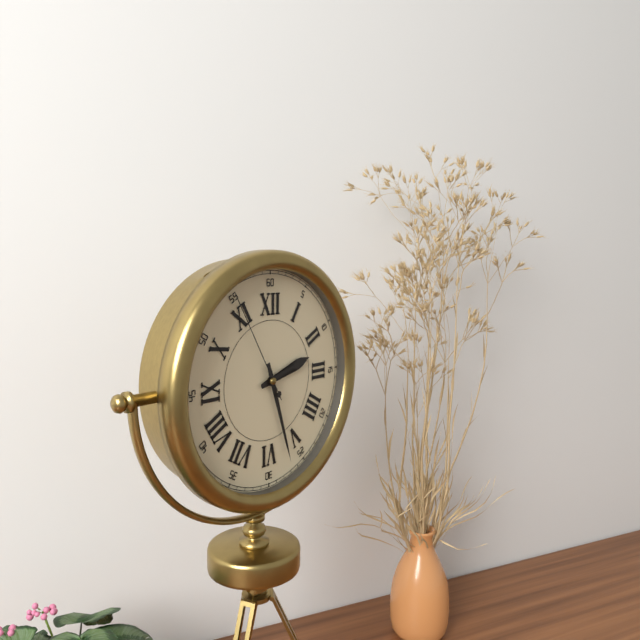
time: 2:27:55
